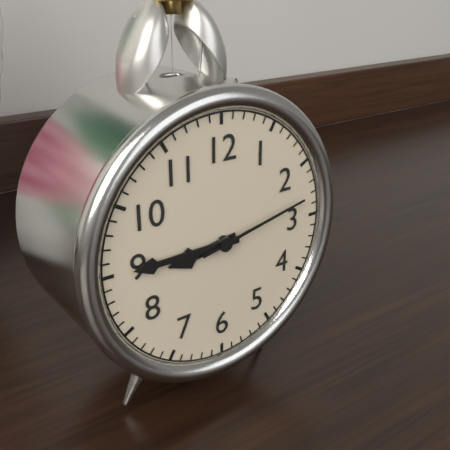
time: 8:45:13
